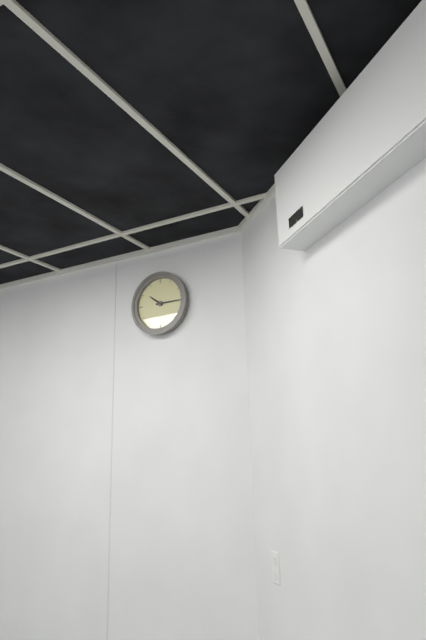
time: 10:15
